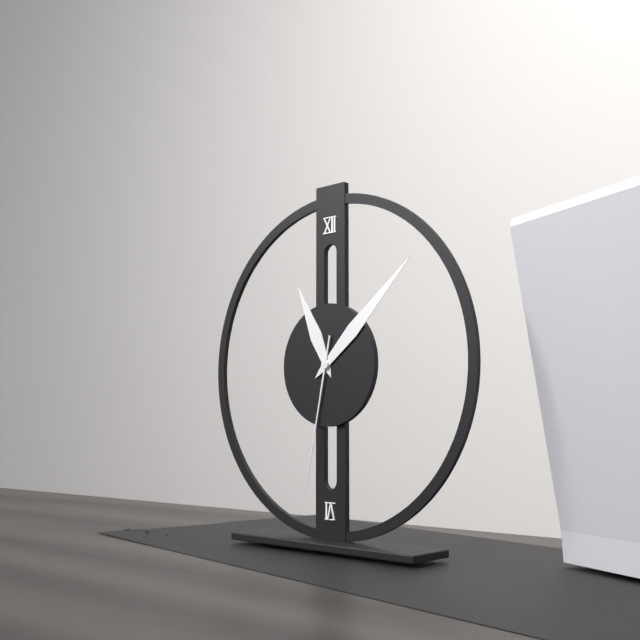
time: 11:08:32
